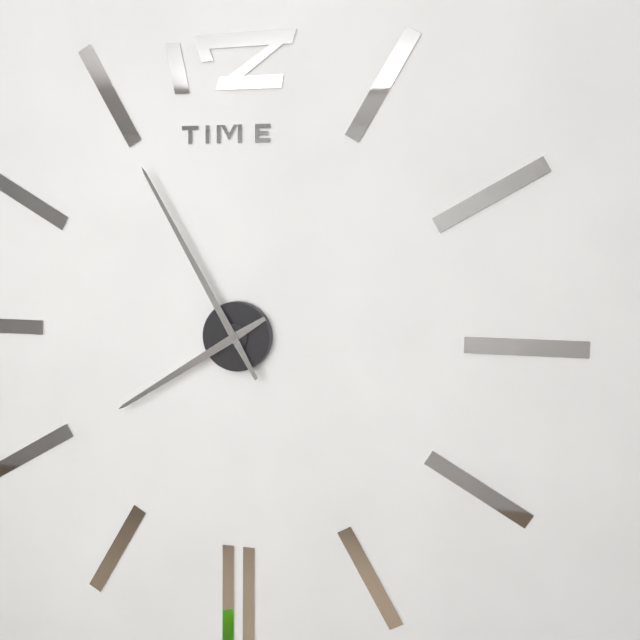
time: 7:55
